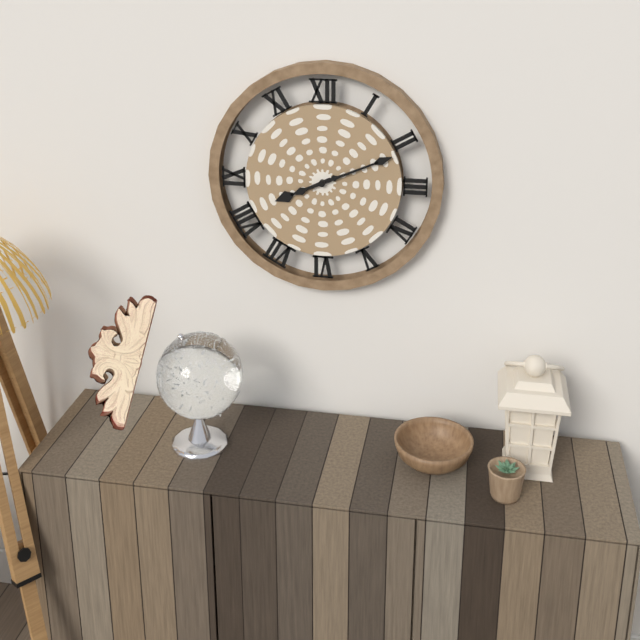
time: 8:11
